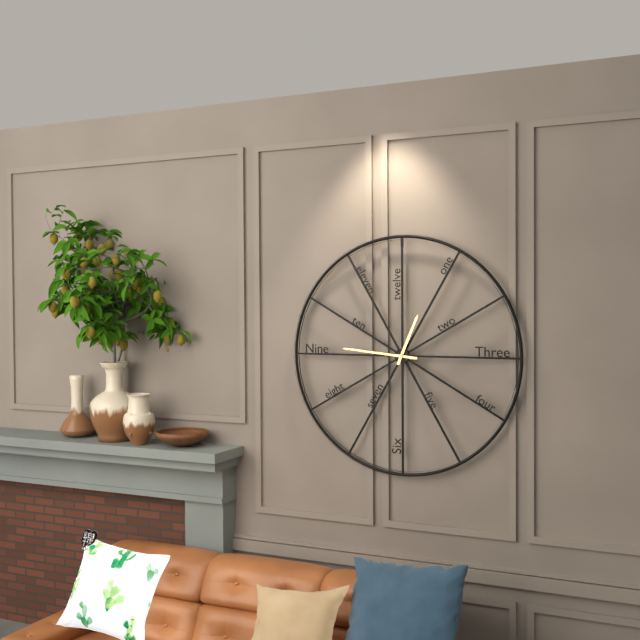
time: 12:46
